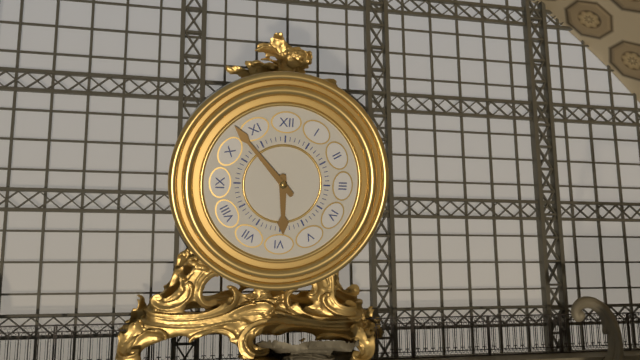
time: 5:53
